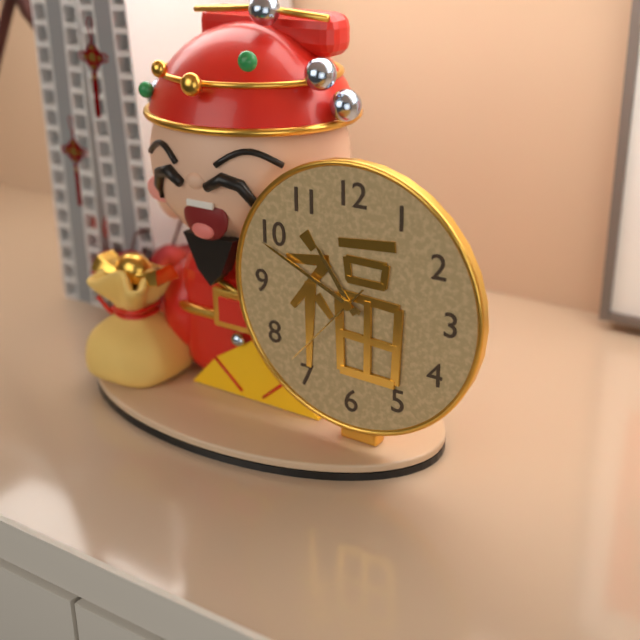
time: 10:49:37
